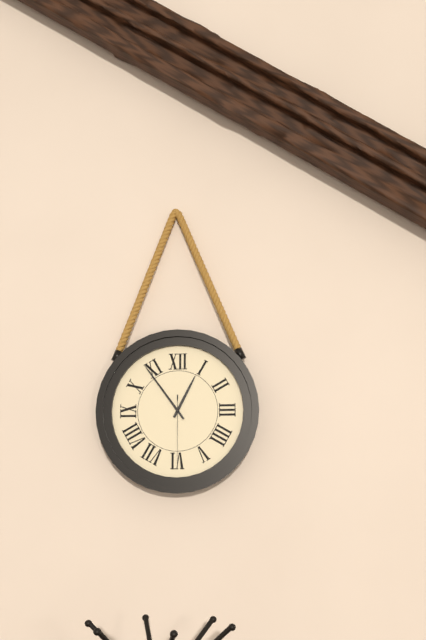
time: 12:54:30
